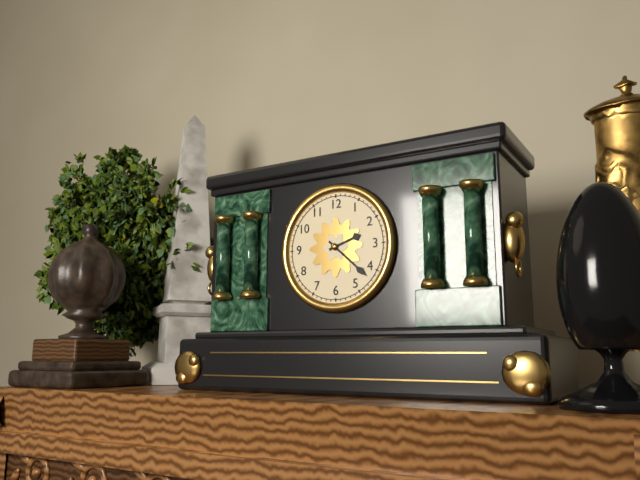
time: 2:22
